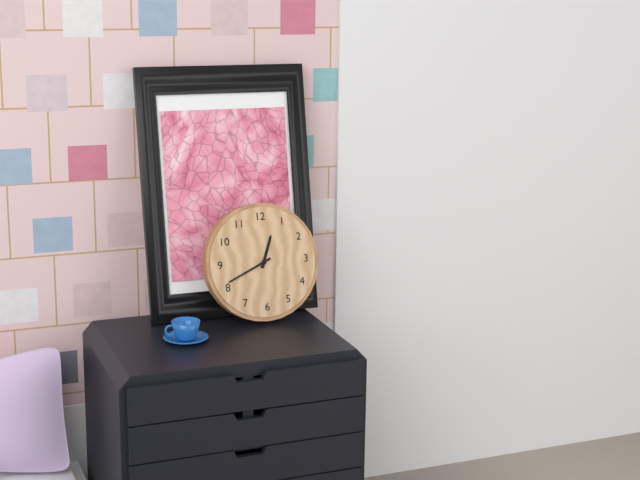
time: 12:41
